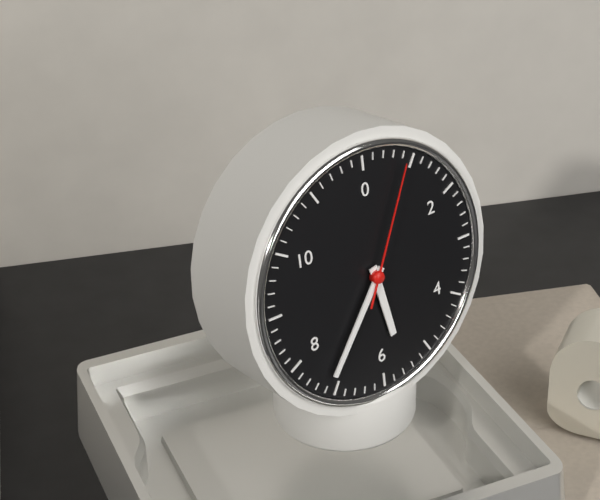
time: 5:36:04
